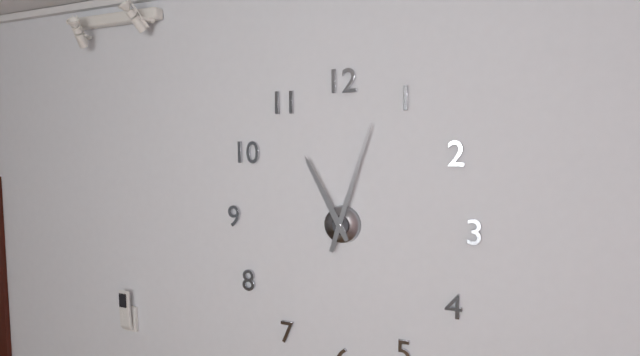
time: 11:03
